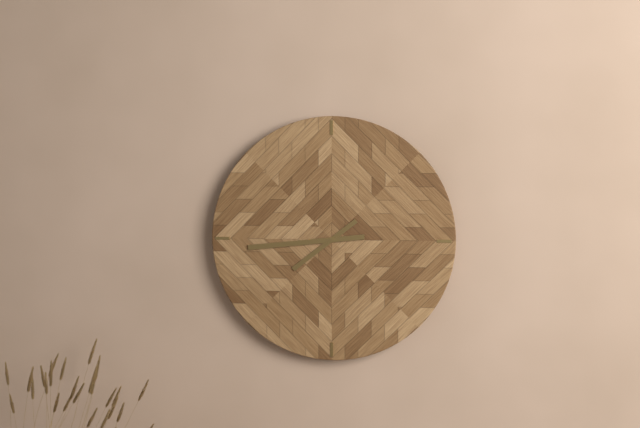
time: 7:44
